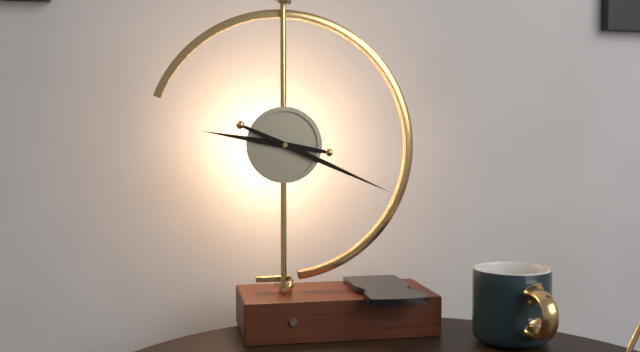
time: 9:19
